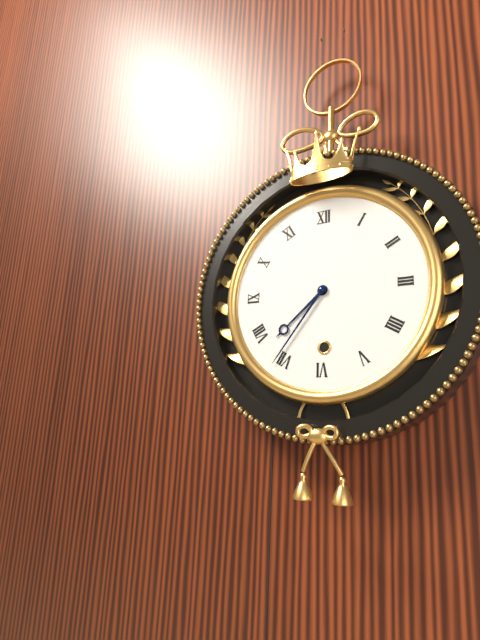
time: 7:36
